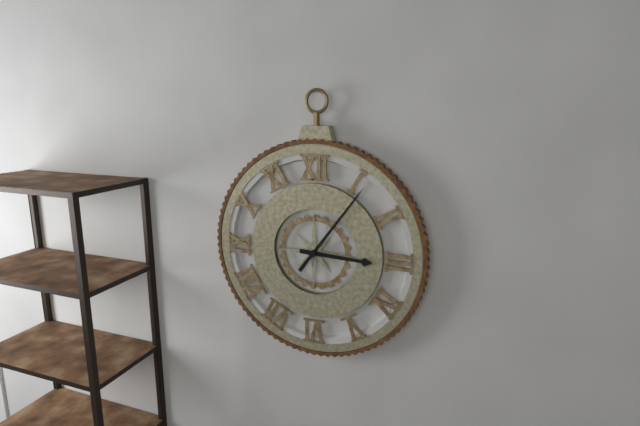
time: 3:06
